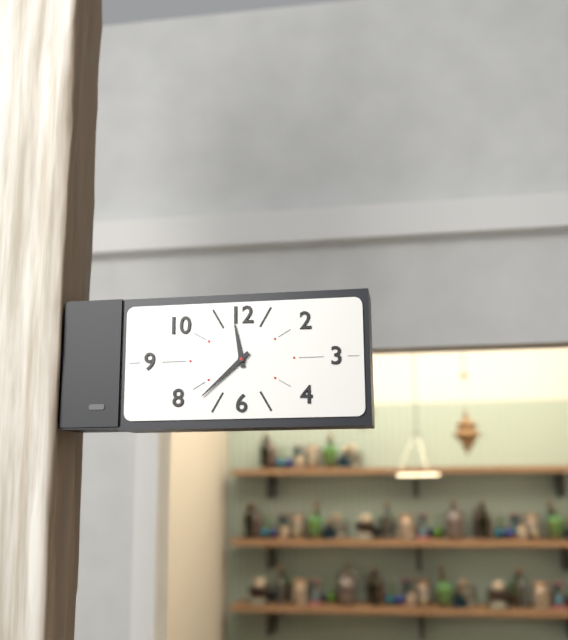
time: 11:38
